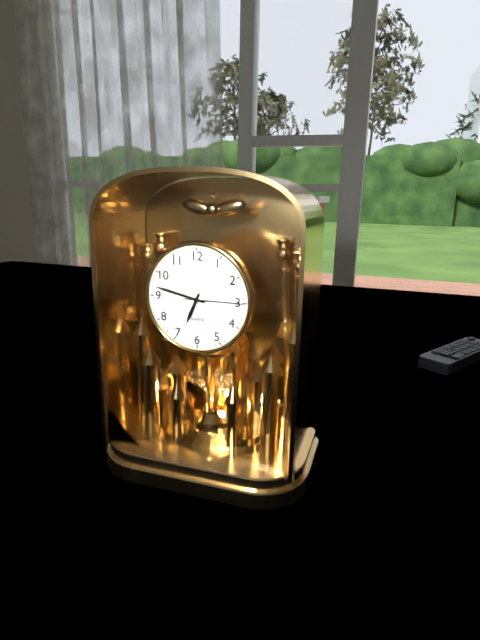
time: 6:47:15
